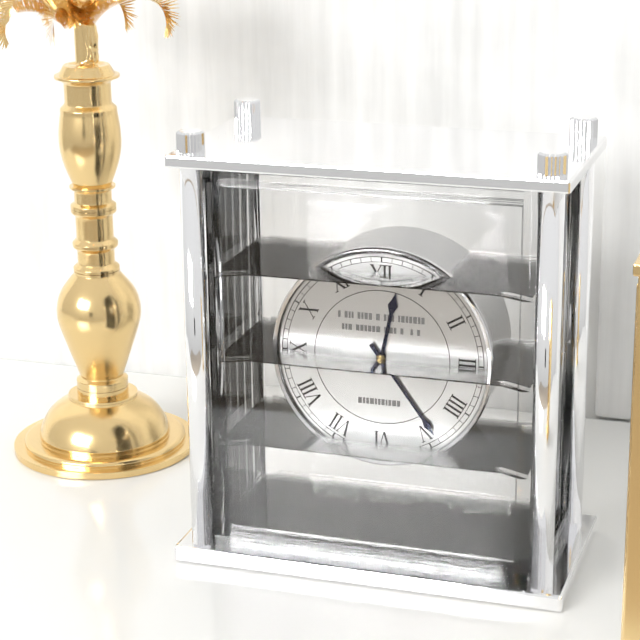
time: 12:24
